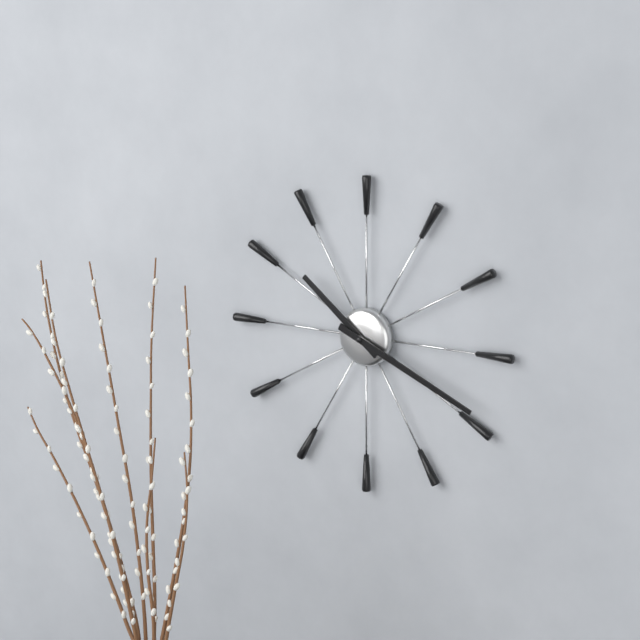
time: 10:19
